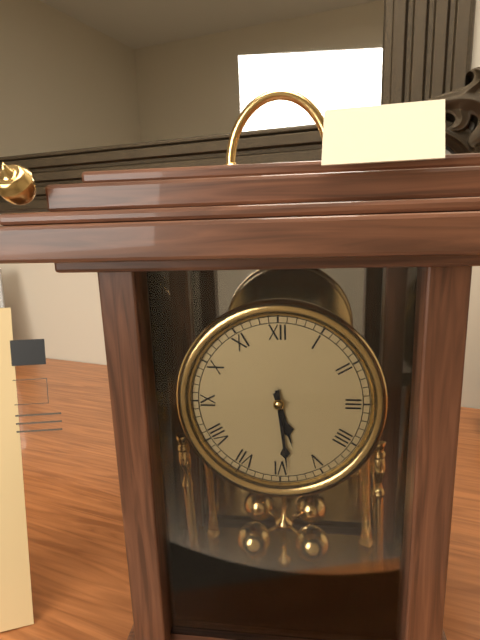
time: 5:29
